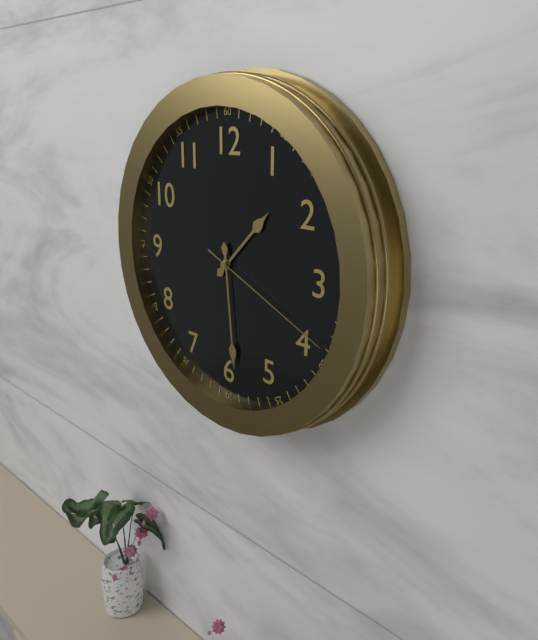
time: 1:29:19
